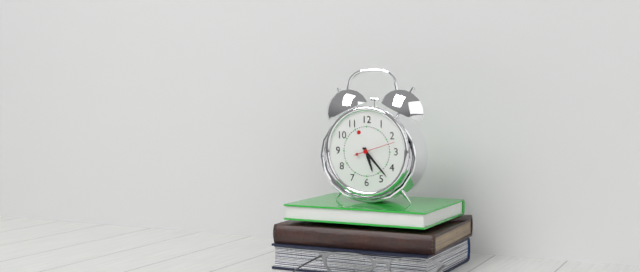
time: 5:23
